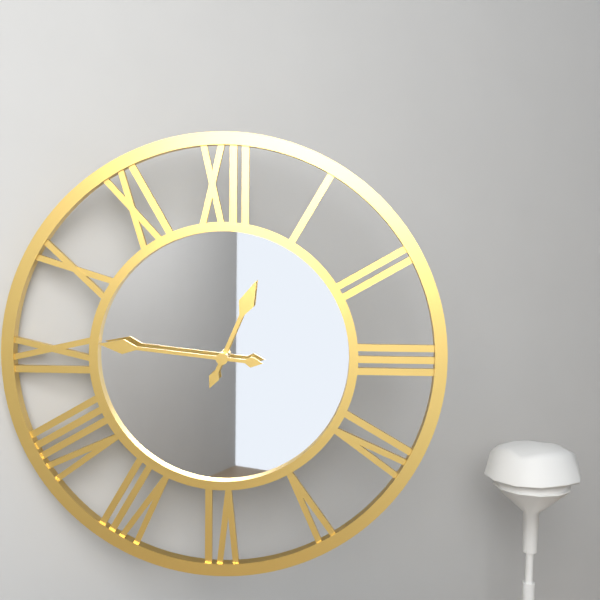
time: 12:46
